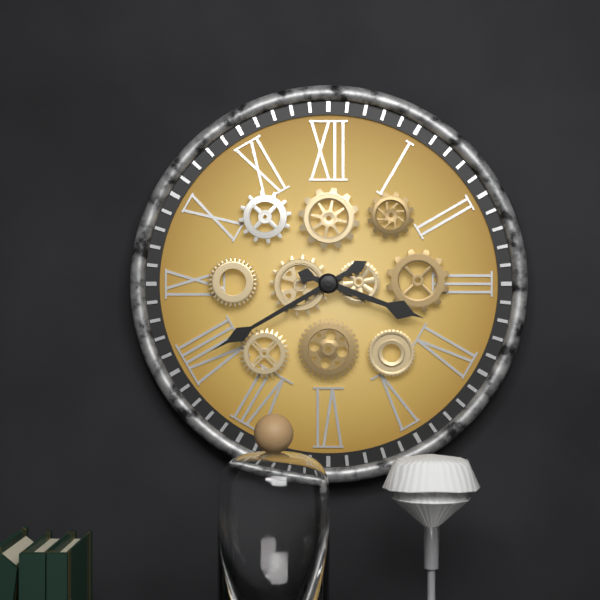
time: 3:40
